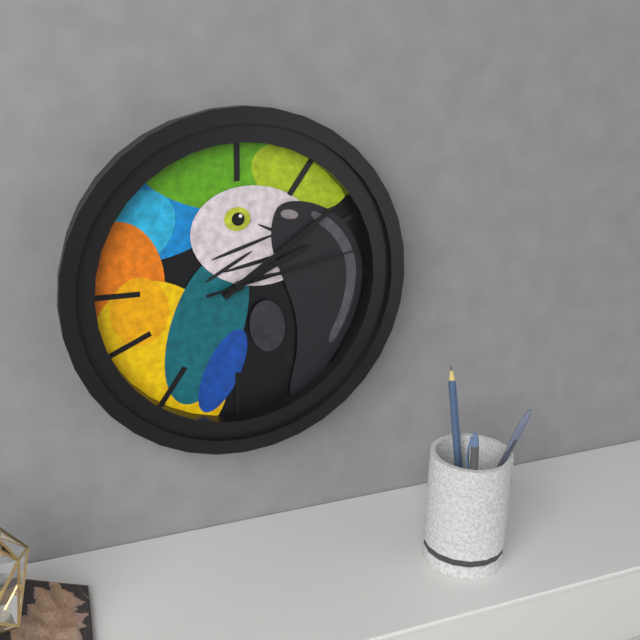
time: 2:09:13
